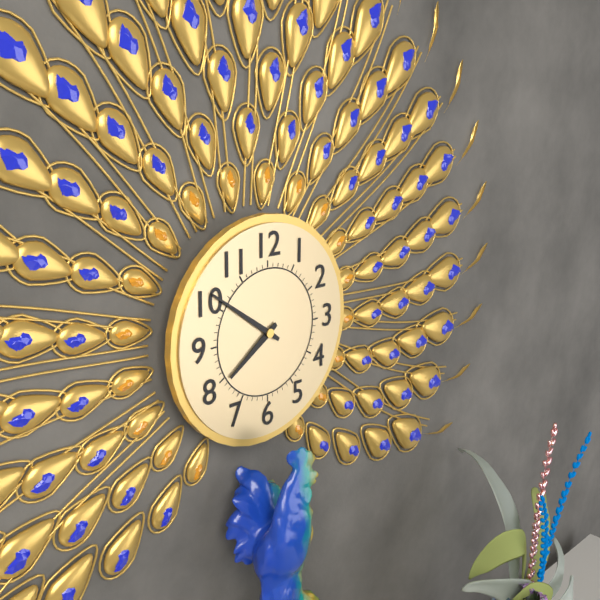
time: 7:51
